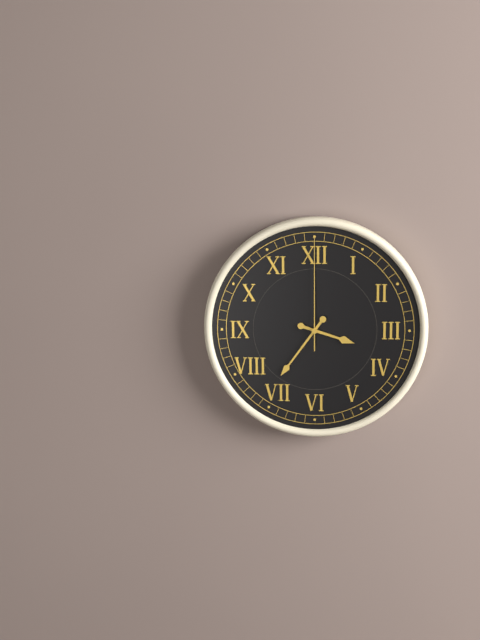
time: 3:36:00
